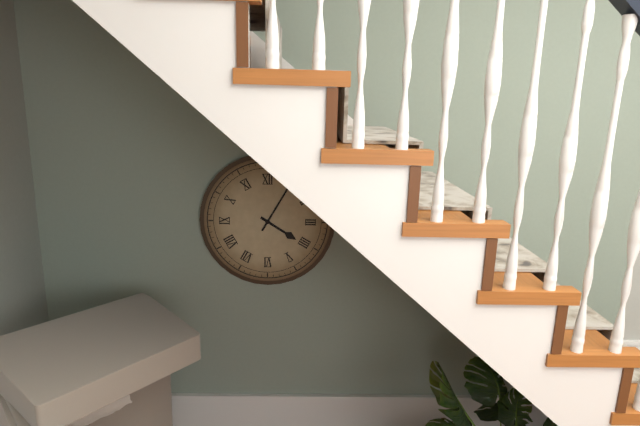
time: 4:05
